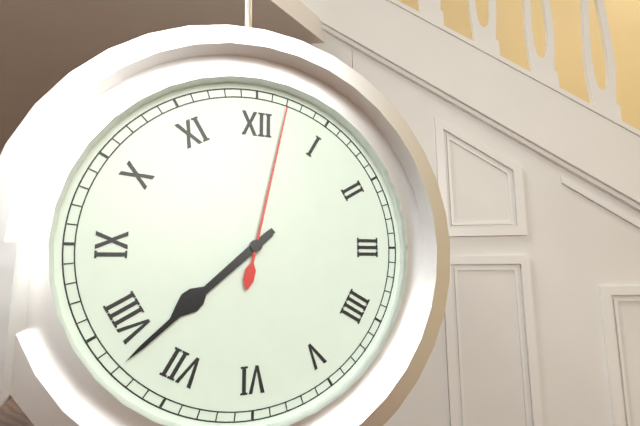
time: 7:38:02
